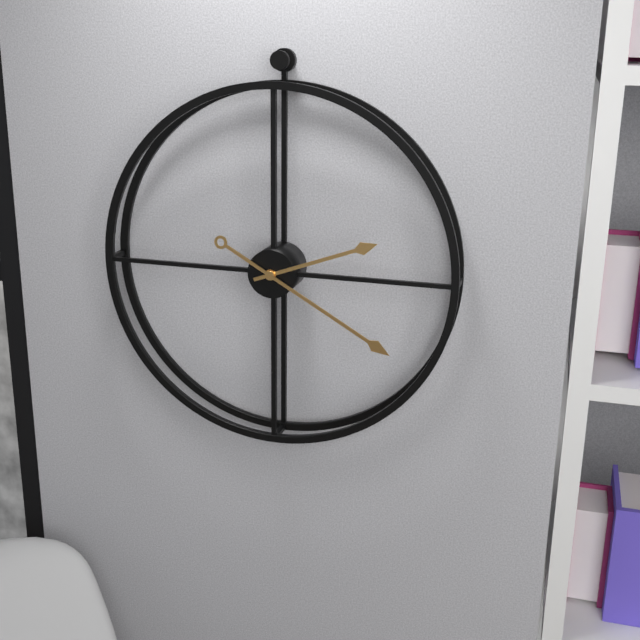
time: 2:20
